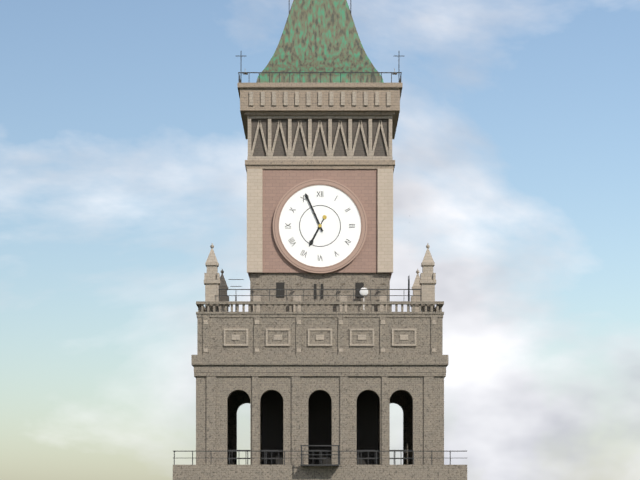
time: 6:56
